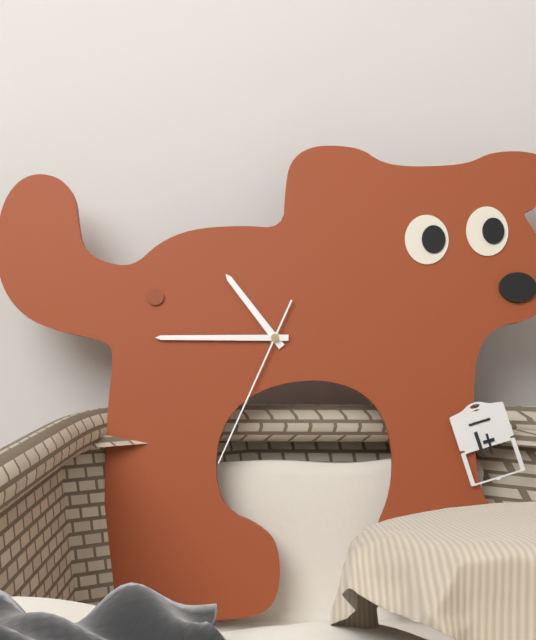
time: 10:45:34
